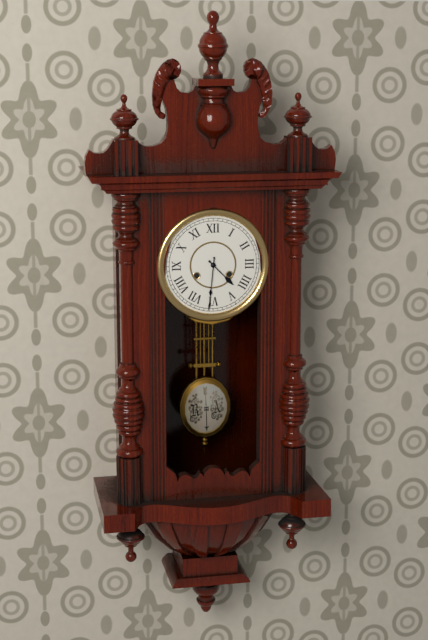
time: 4:31
